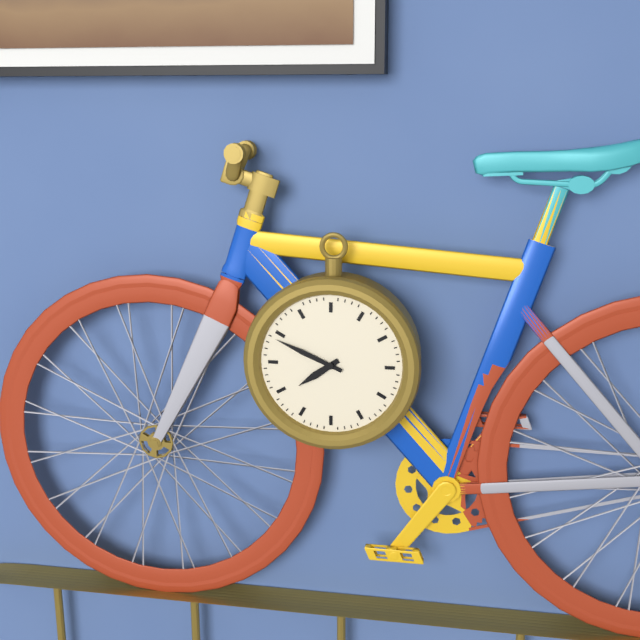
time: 7:49
